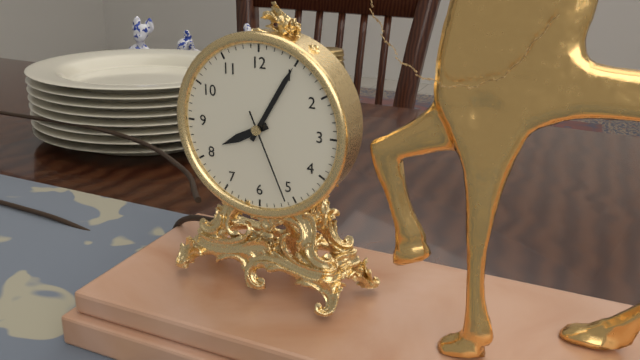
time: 8:05:26
